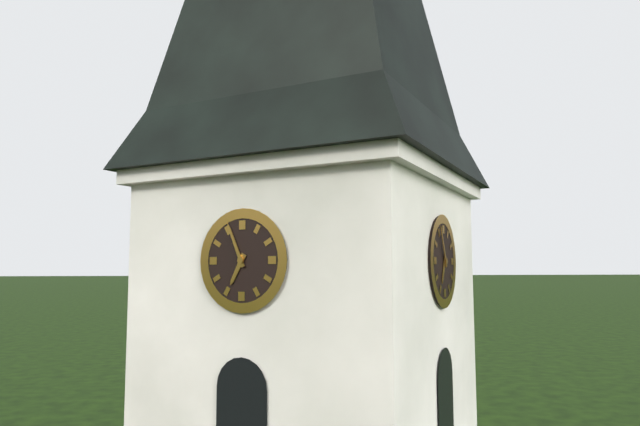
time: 6:56
